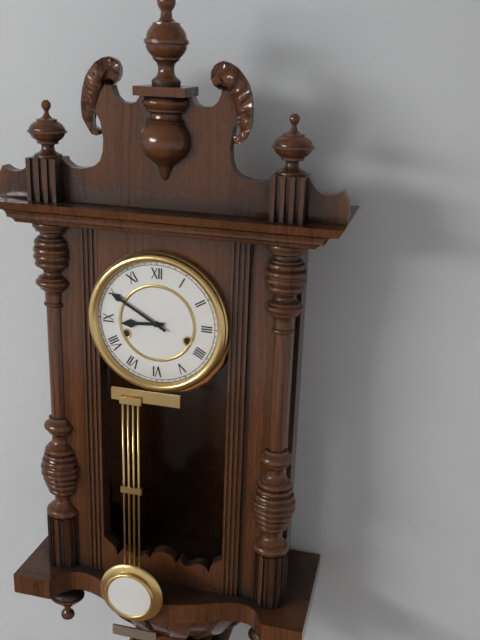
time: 8:50
